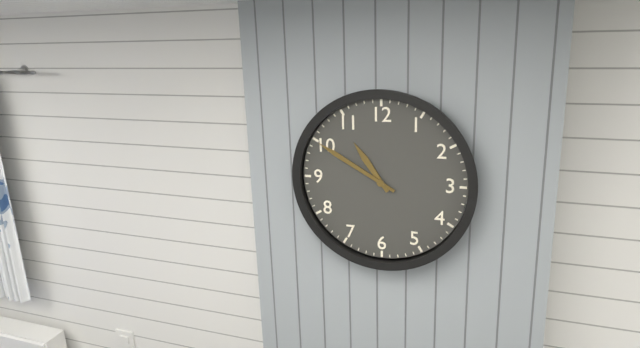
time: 10:50
